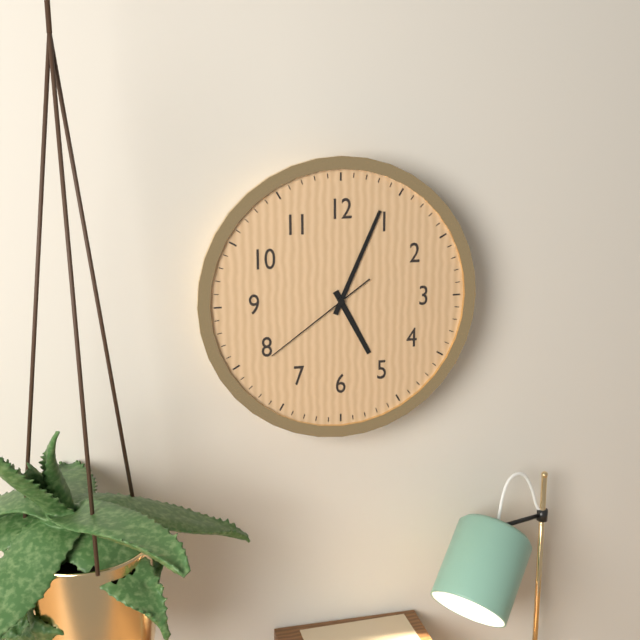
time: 5:04:39
